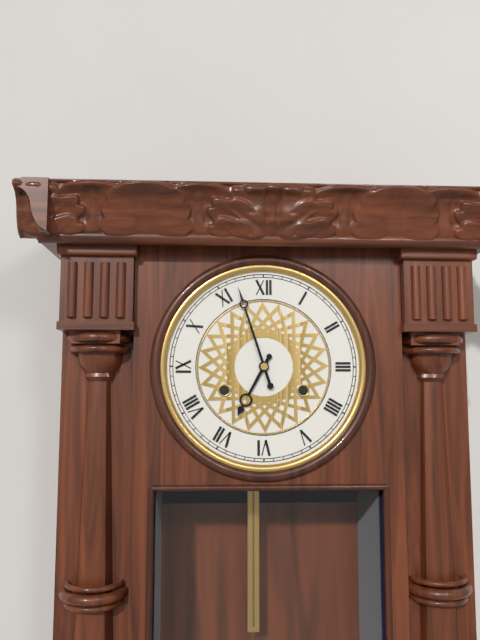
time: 6:57
